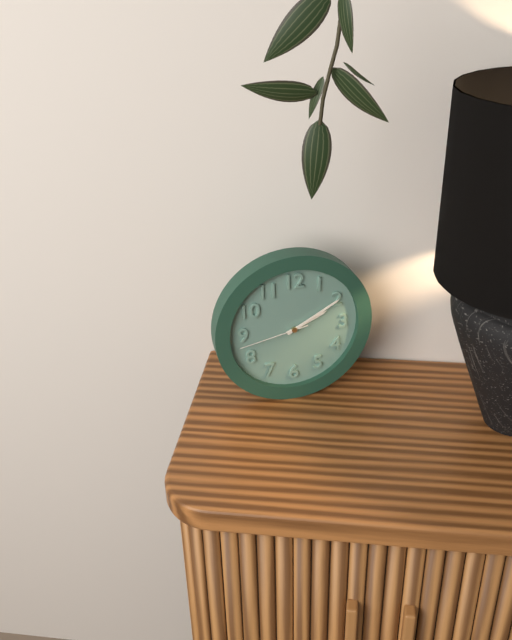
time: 2:10:43
